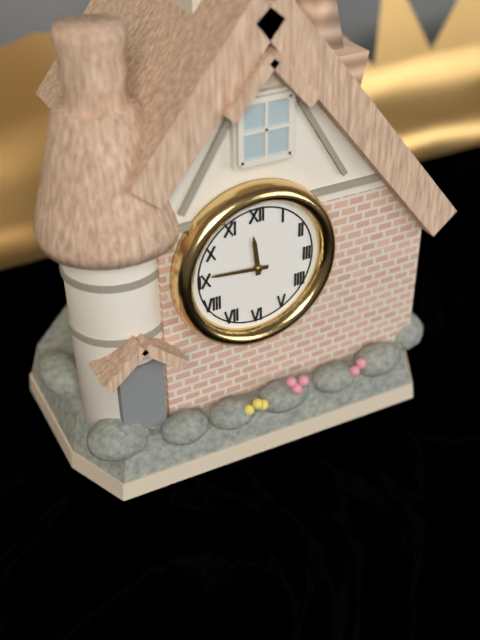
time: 11:46
